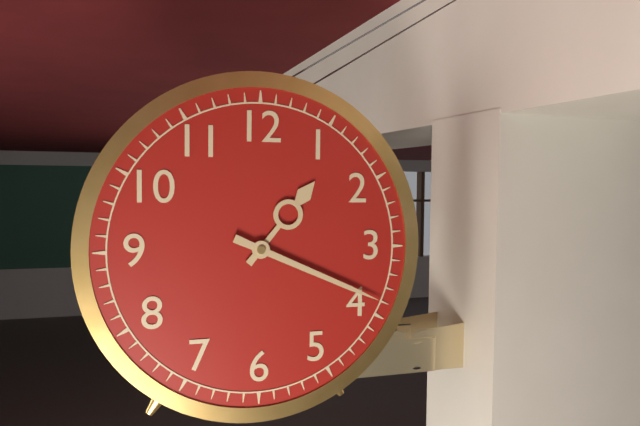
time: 1:19
